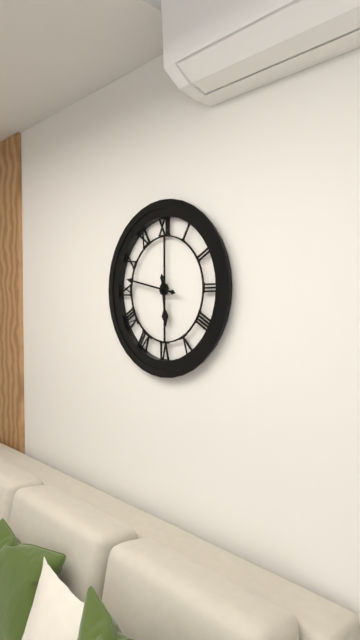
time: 5:47
